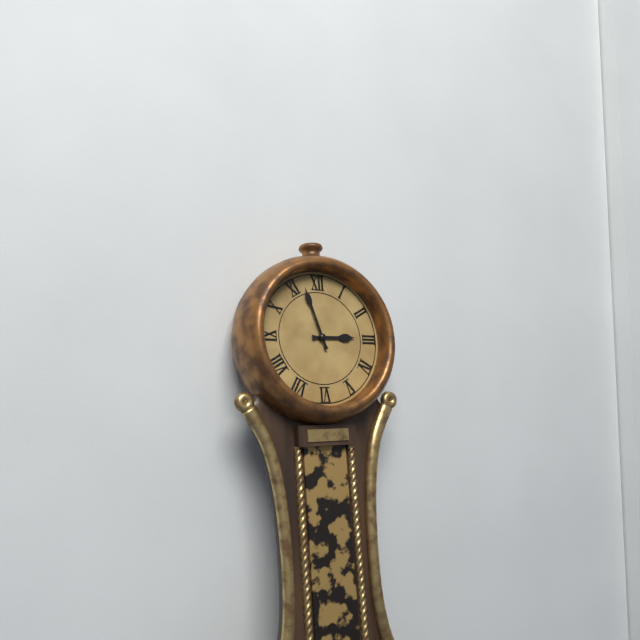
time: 2:57
